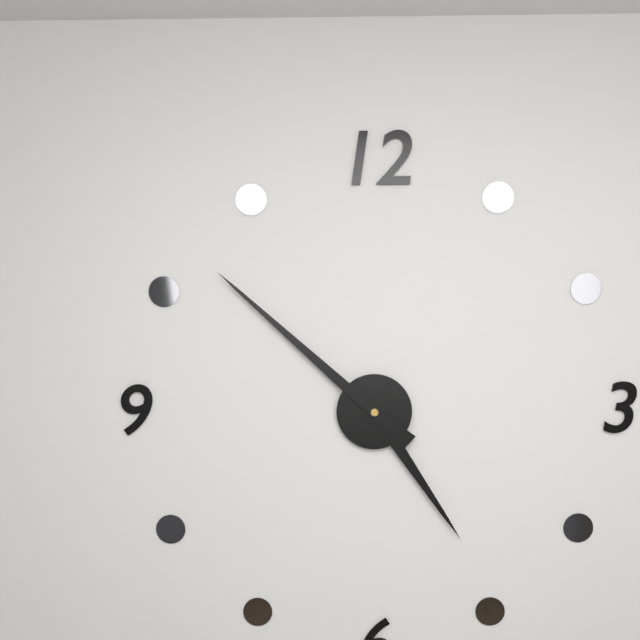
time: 4:52
